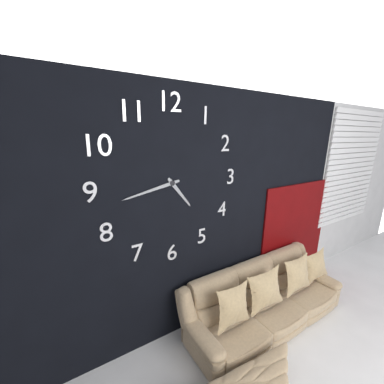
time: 4:43
